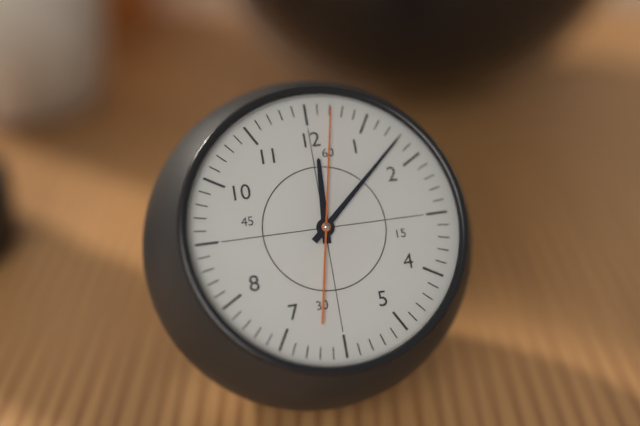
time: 12:08:02
